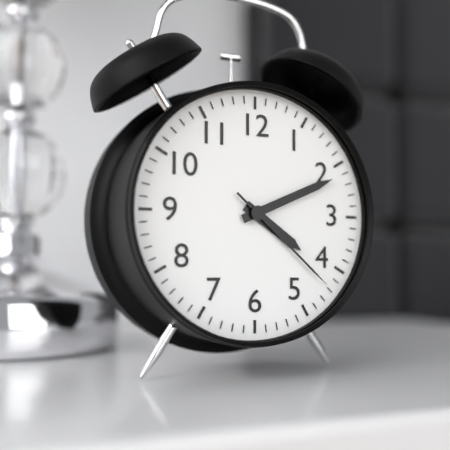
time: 4:11:22
